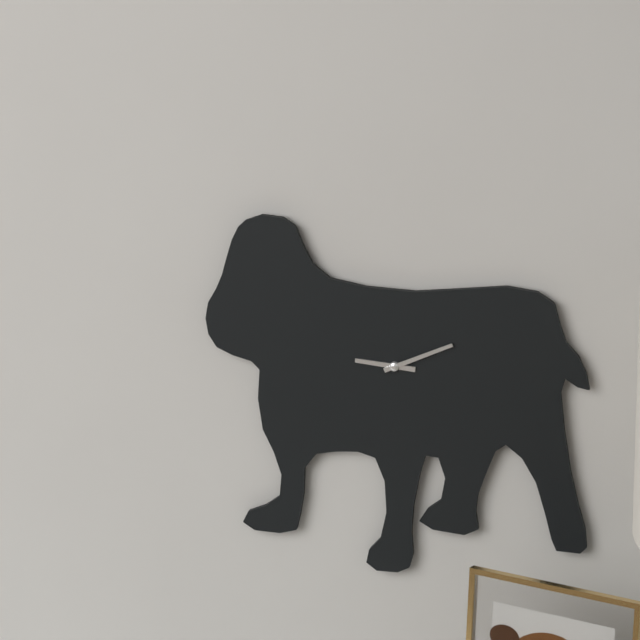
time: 9:11
